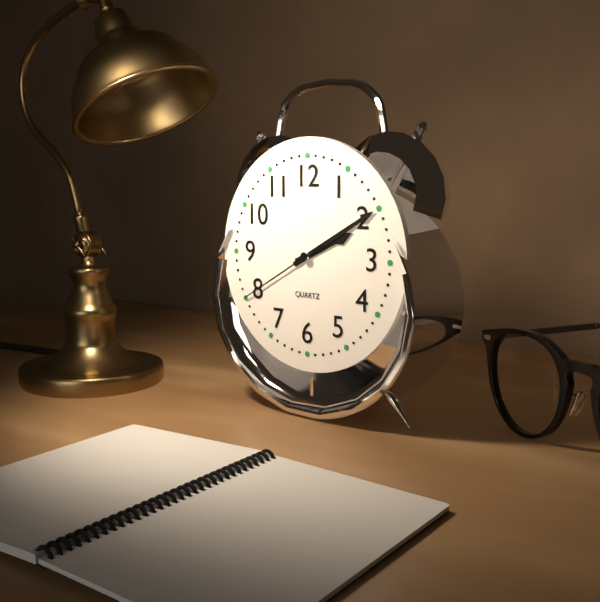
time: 2:10:40
